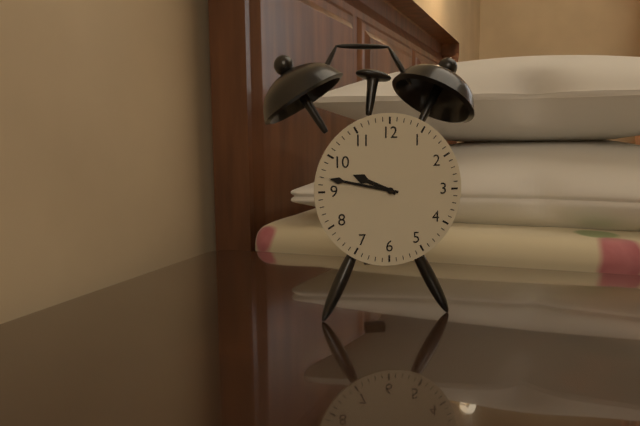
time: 9:47
